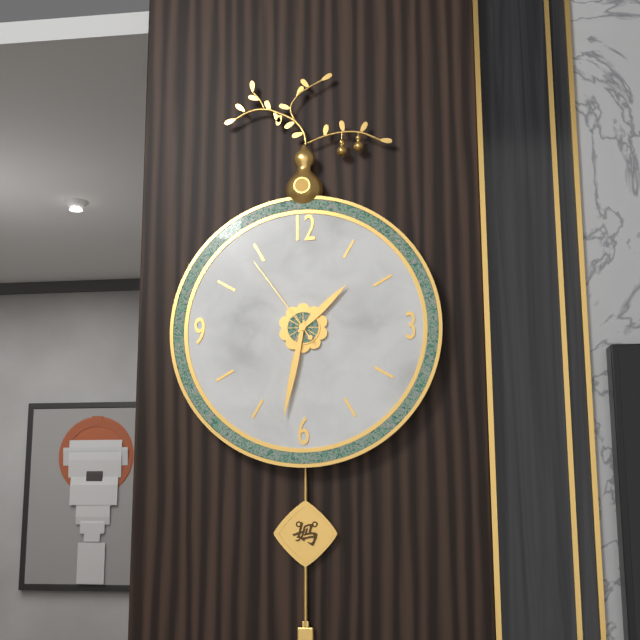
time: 1:32:54
